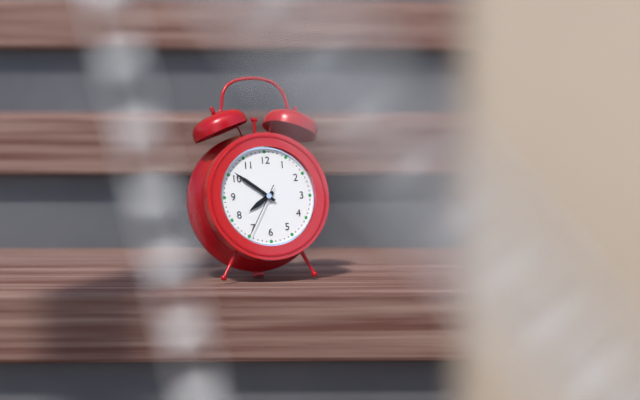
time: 7:51:35
